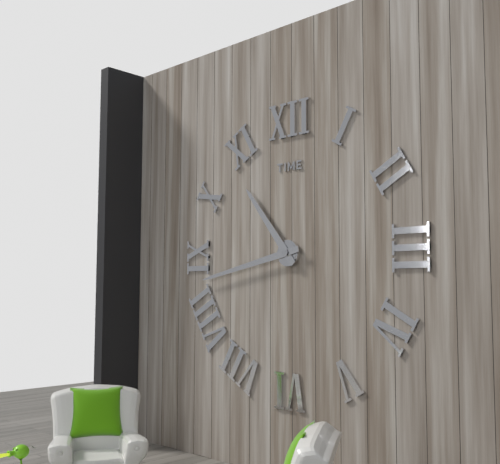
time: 10:43
